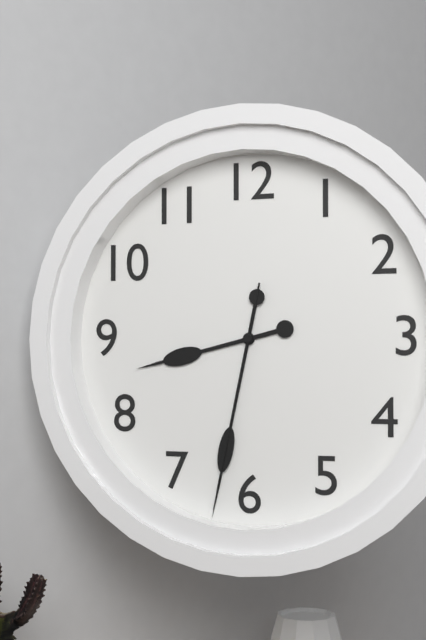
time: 8:32:32
